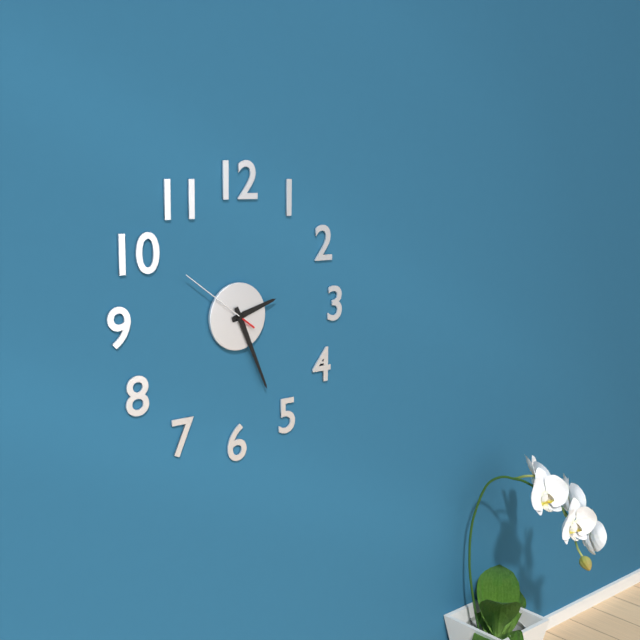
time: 2:26:51
